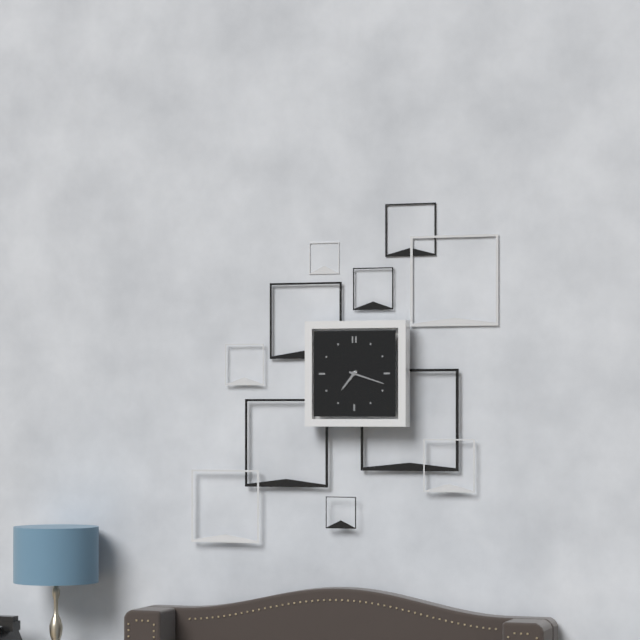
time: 7:18
